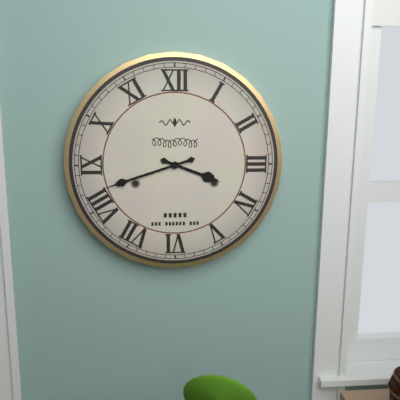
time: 3:42
